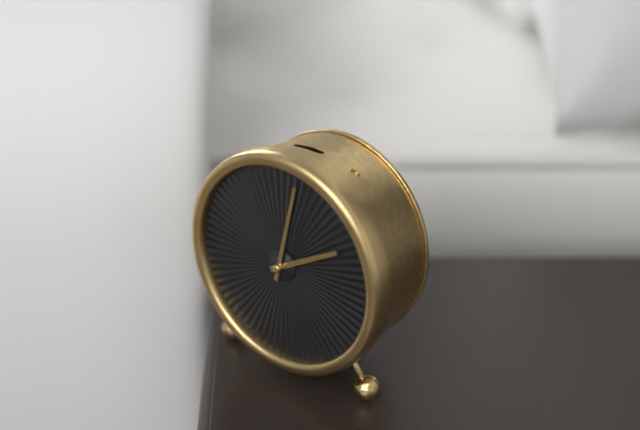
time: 2:02
